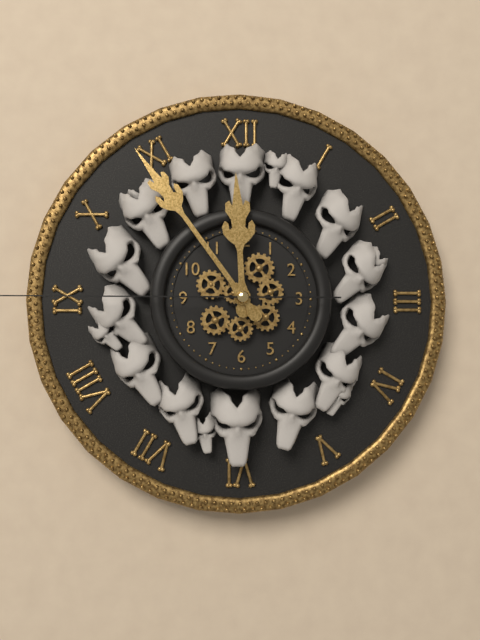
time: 11:54
